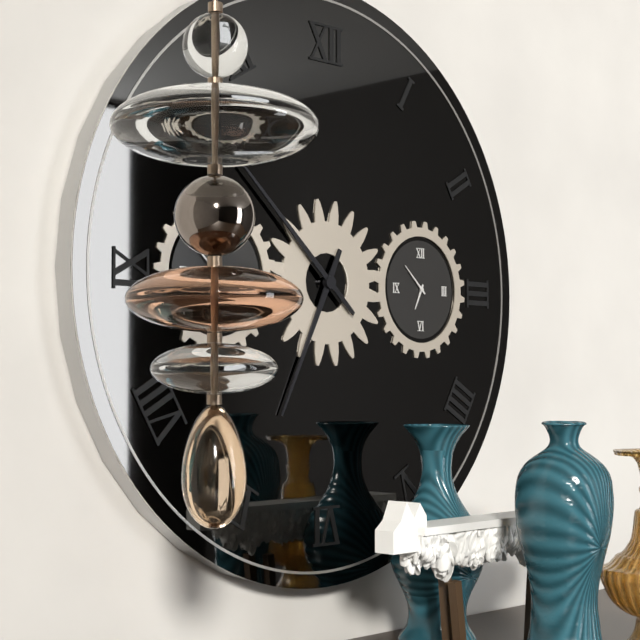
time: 6:52
